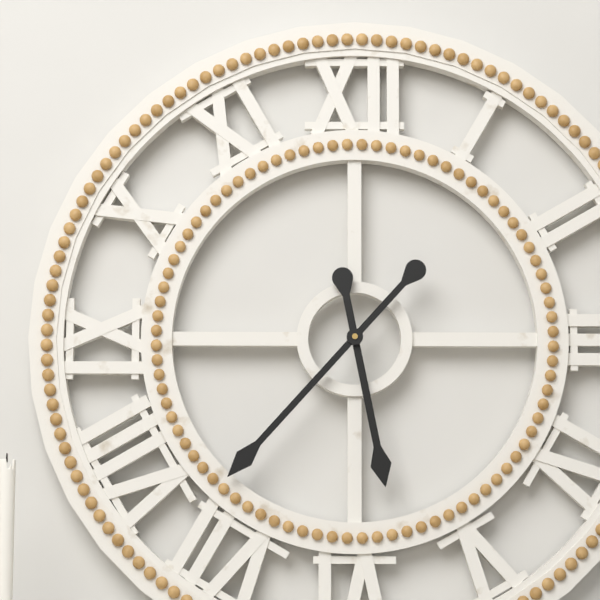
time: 5:37
